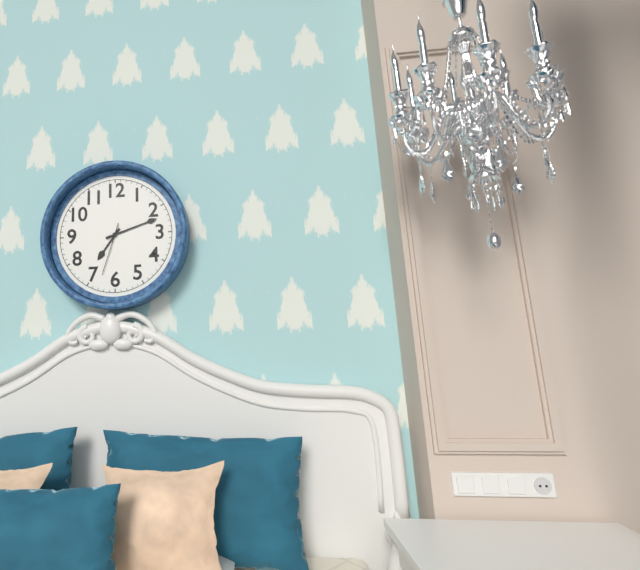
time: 7:12:33
